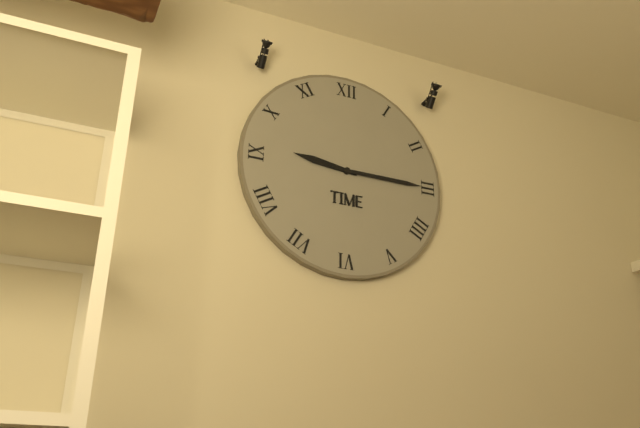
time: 9:15
